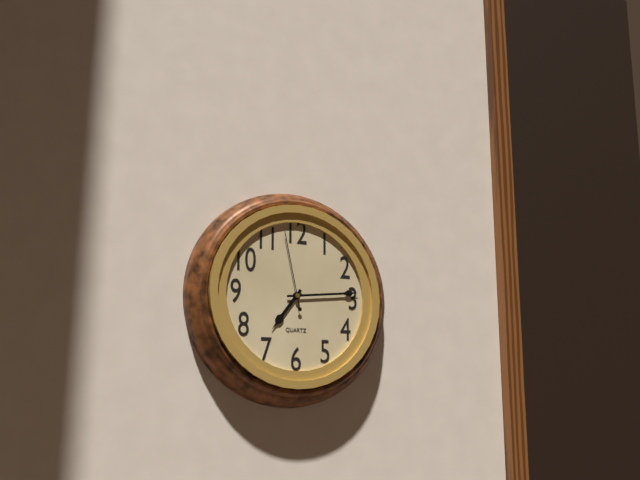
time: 7:14:58
